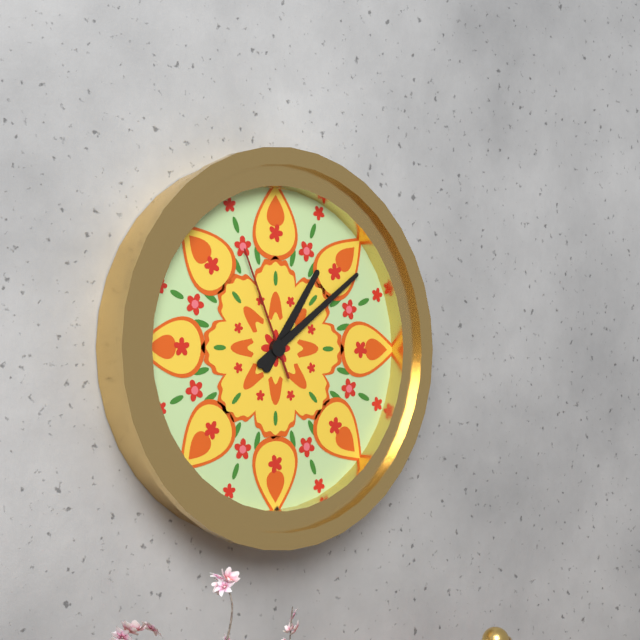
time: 1:09:56
